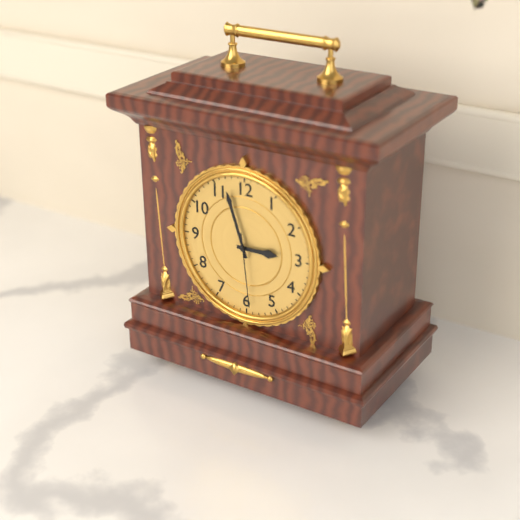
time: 2:57:29
